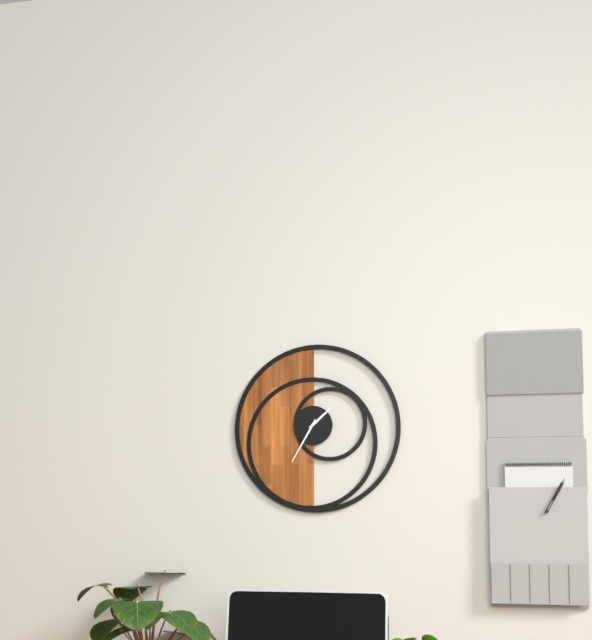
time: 1:35
